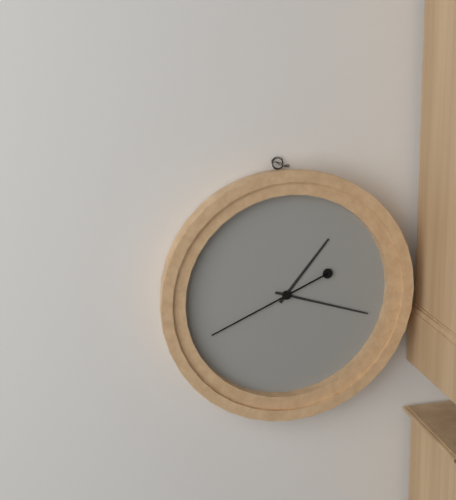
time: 1:18:41
